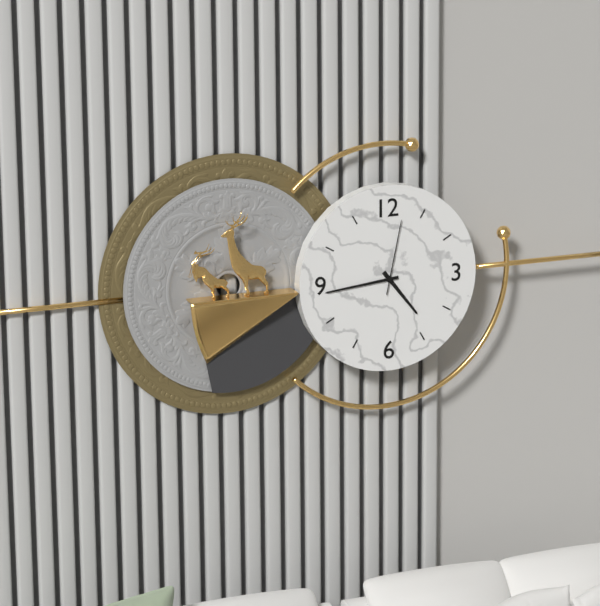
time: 4:44:02
